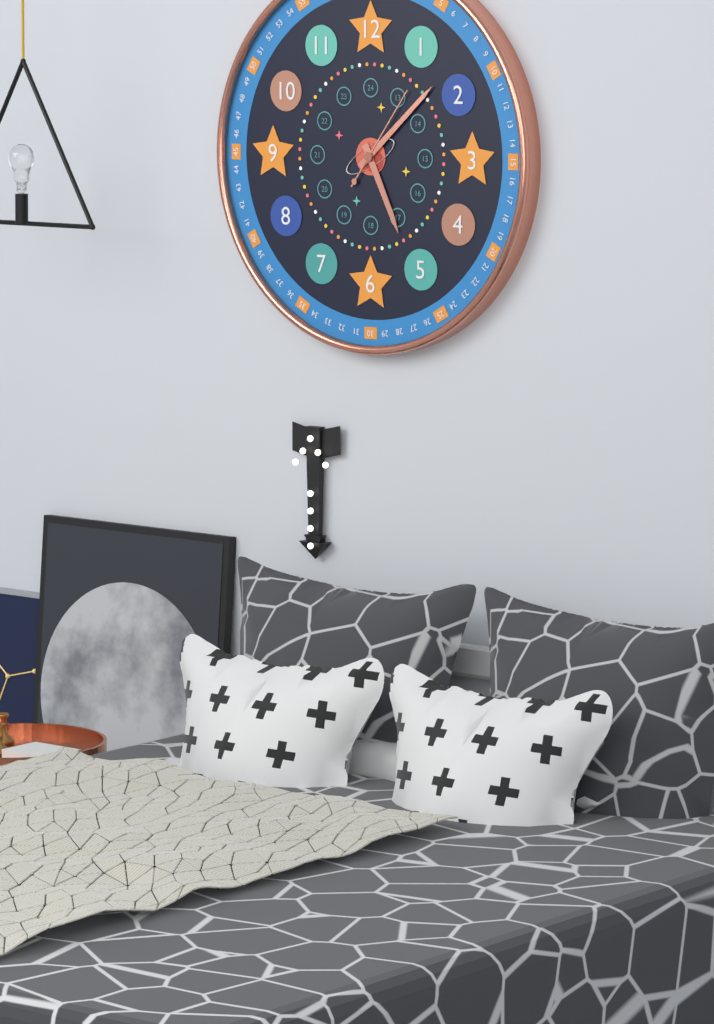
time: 5:08:06
